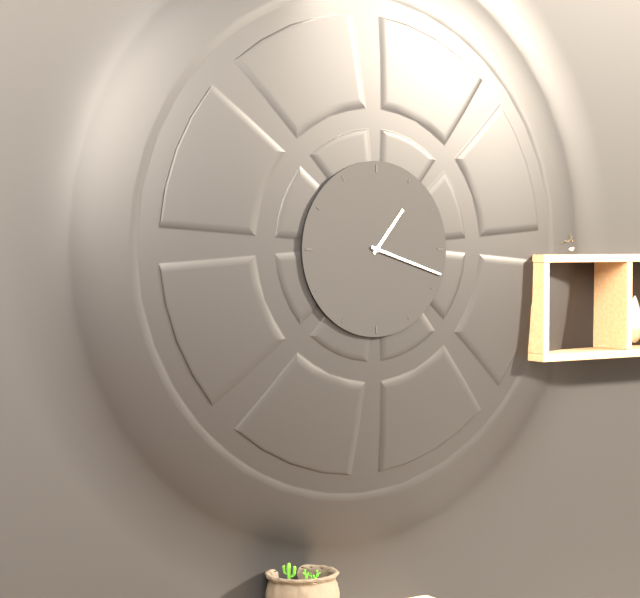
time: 1:18
